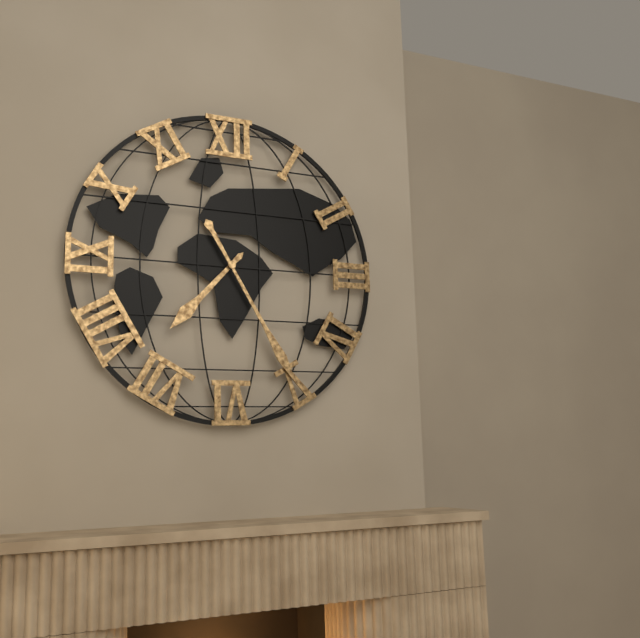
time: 7:25
